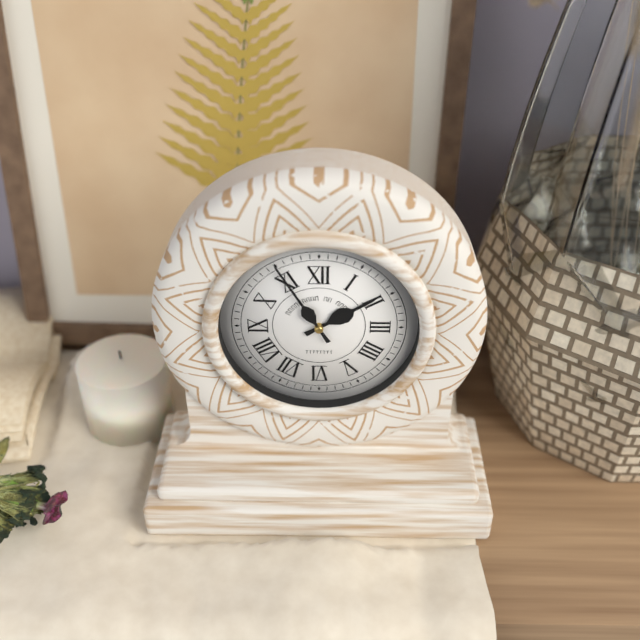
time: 1:55
